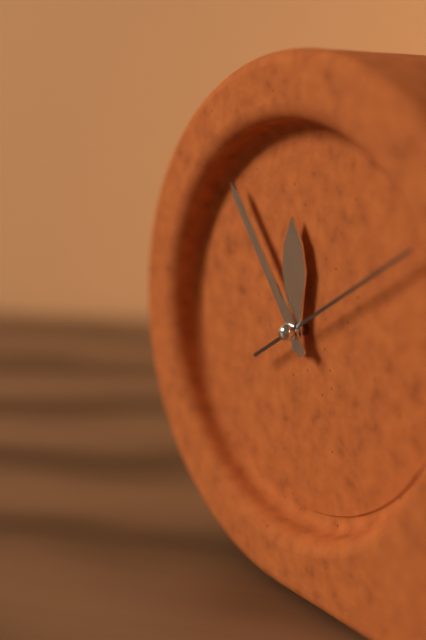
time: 11:54:10
